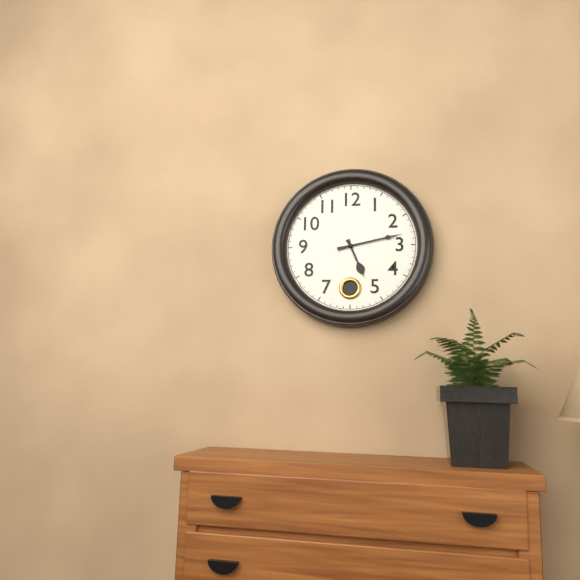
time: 5:13
